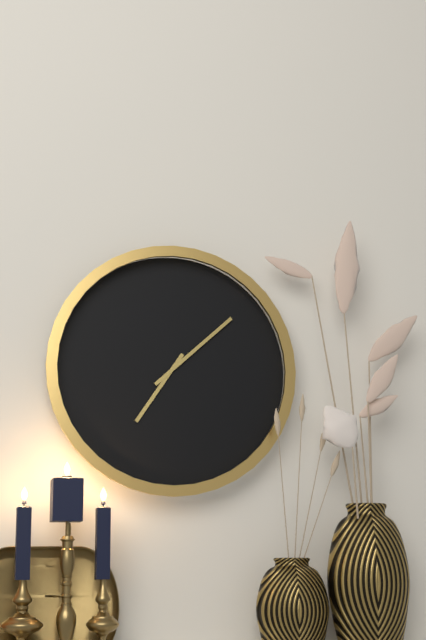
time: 7:08
